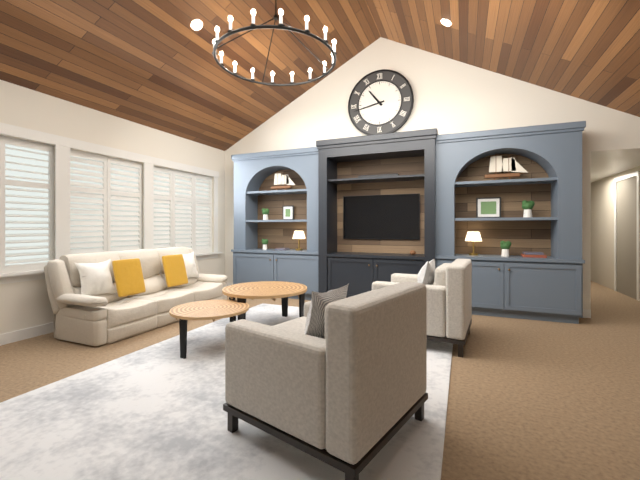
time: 10:43
